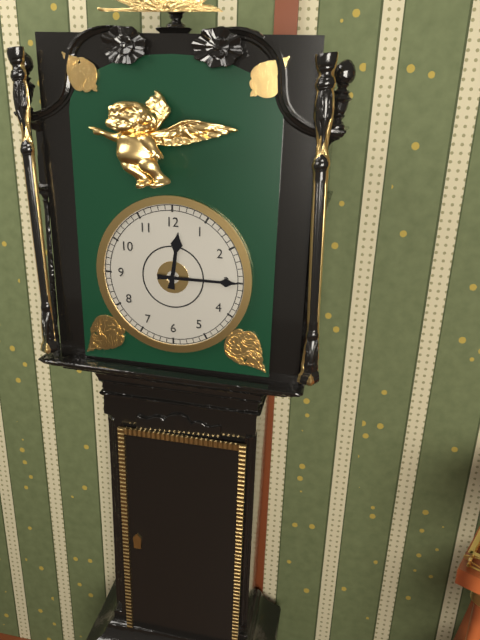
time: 12:15
